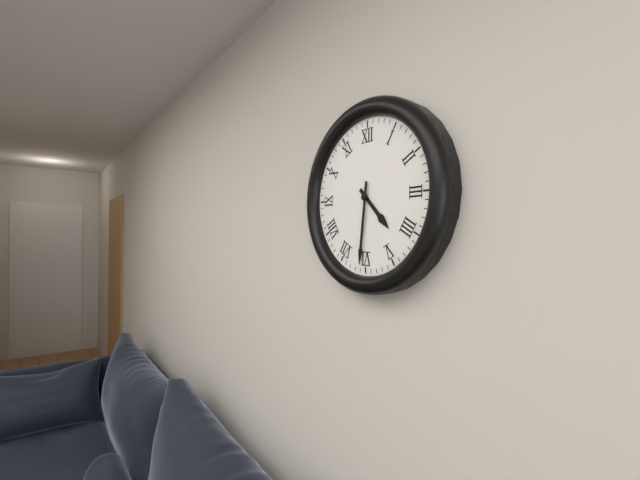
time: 4:31
